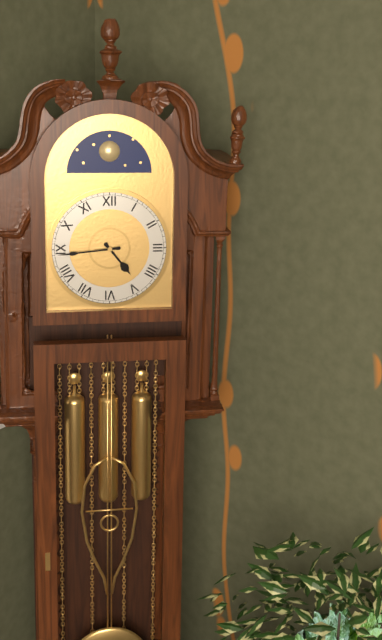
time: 4:44
